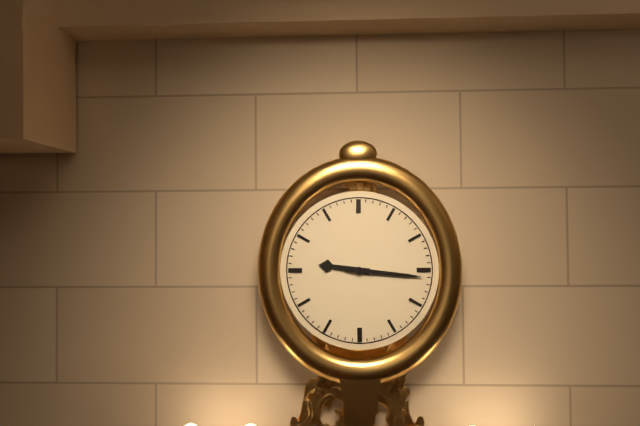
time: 9:16
